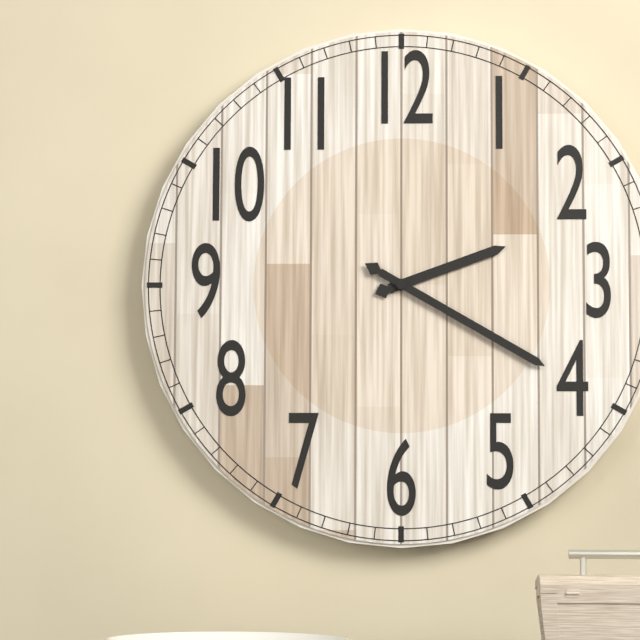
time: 2:20
